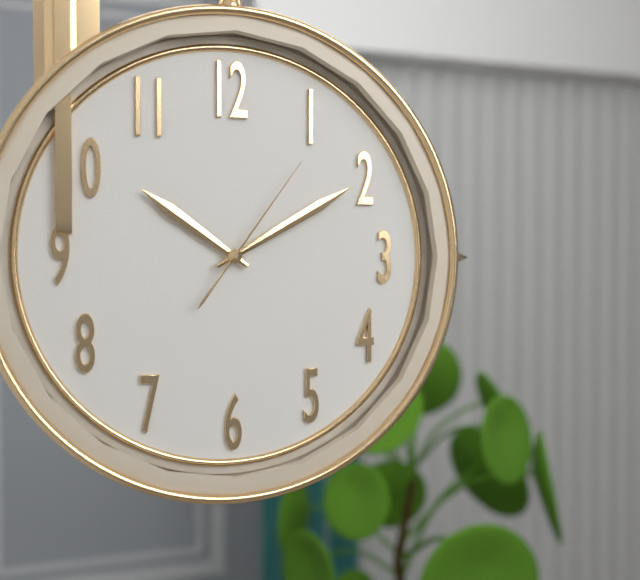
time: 10:10:06
